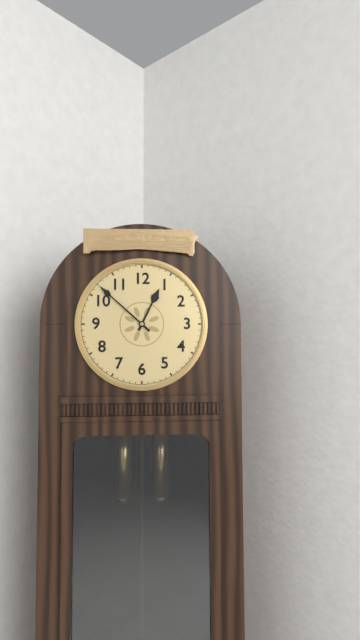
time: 12:52
